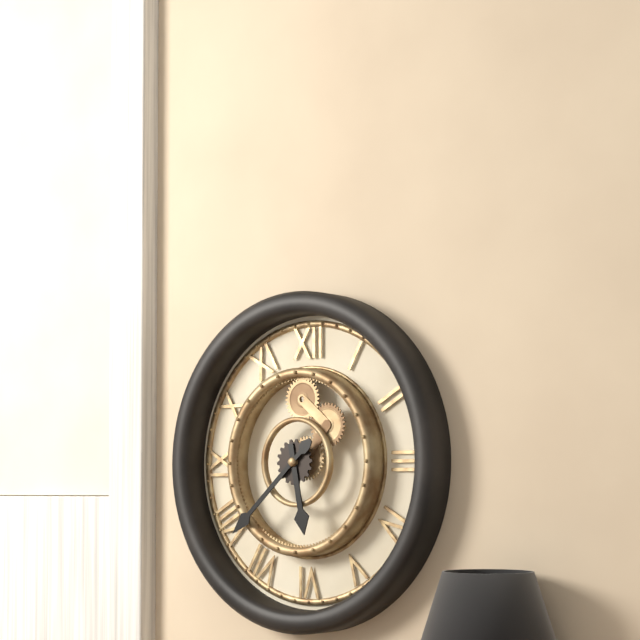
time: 5:38
